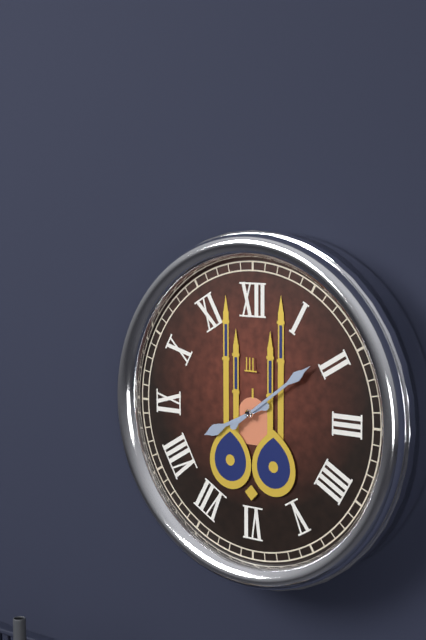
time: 8:09
